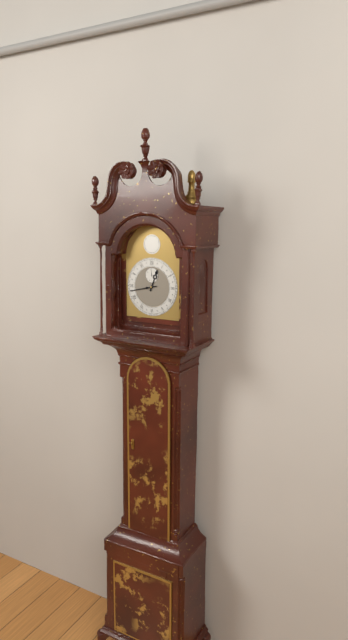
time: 12:43
